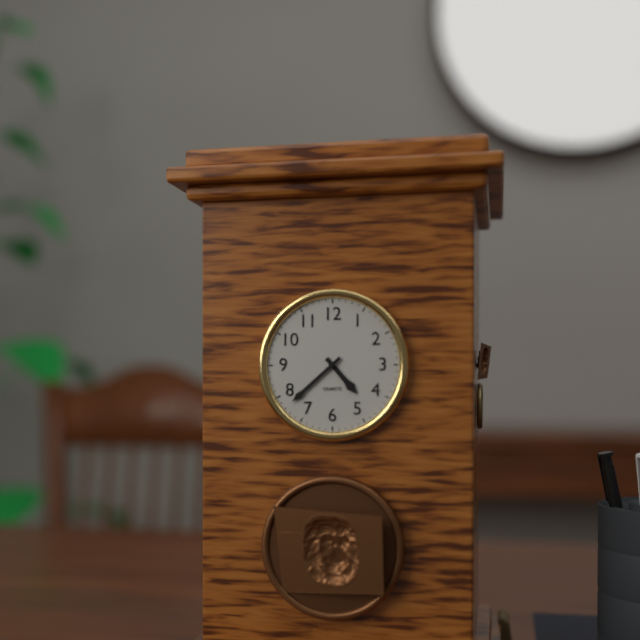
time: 4:38
